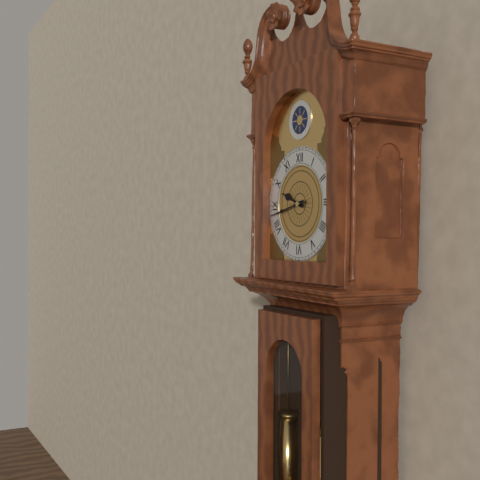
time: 9:43
